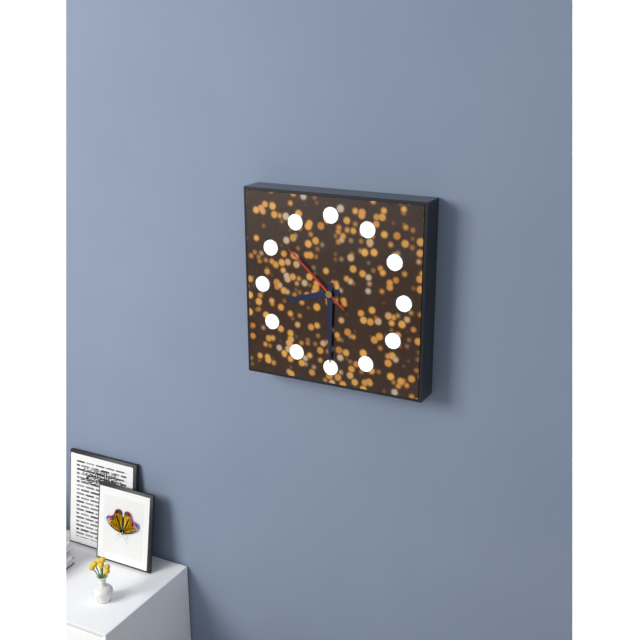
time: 8:30:52
